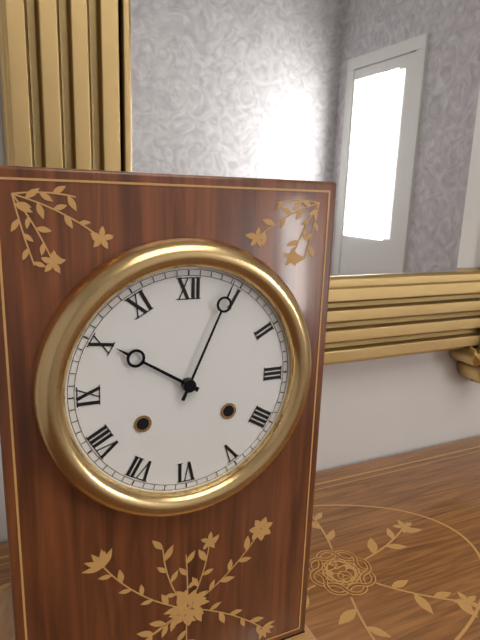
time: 10:04
